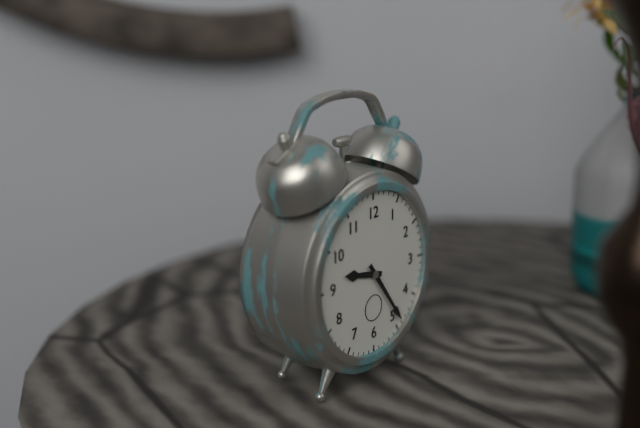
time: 9:24
